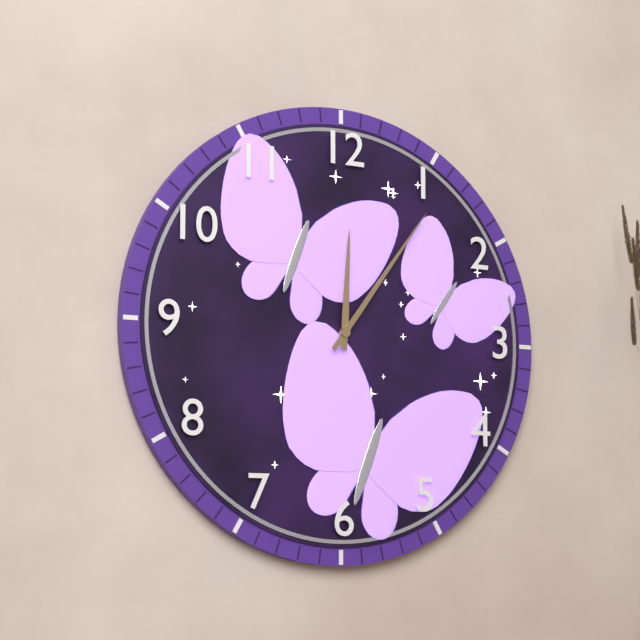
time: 12:06
